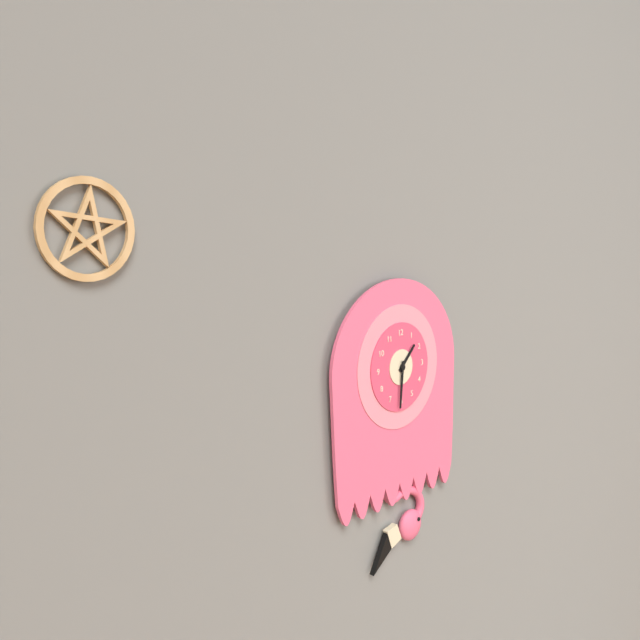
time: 1:31
